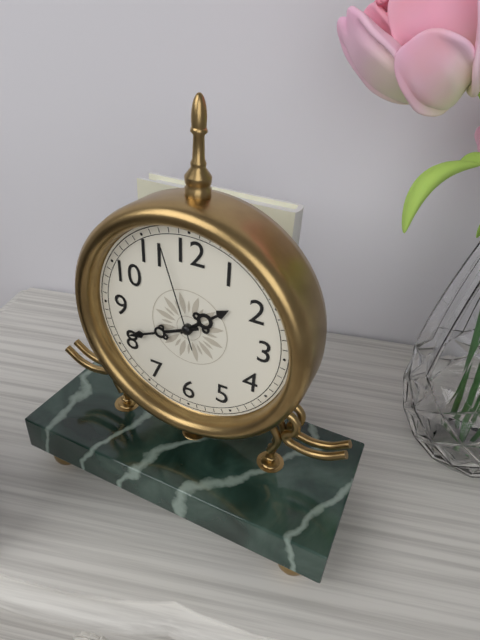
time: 1:41:57
